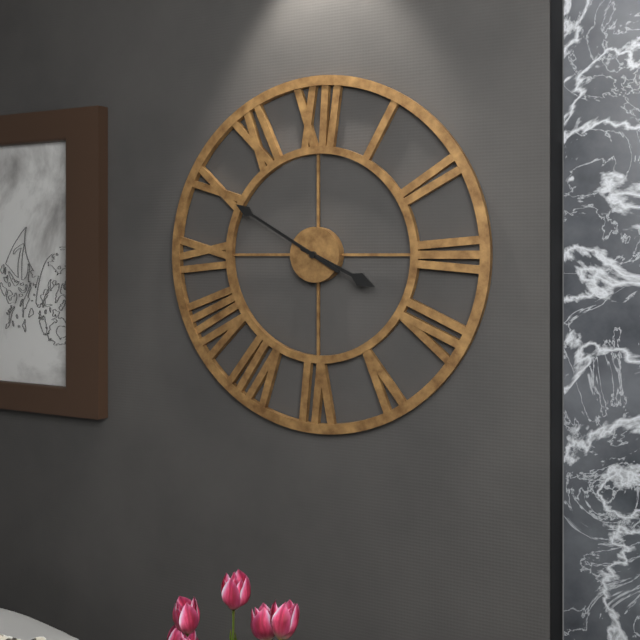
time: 3:50
